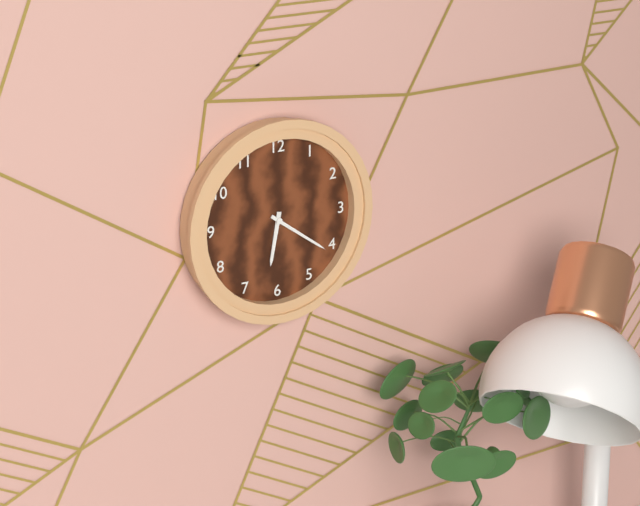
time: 6:21
